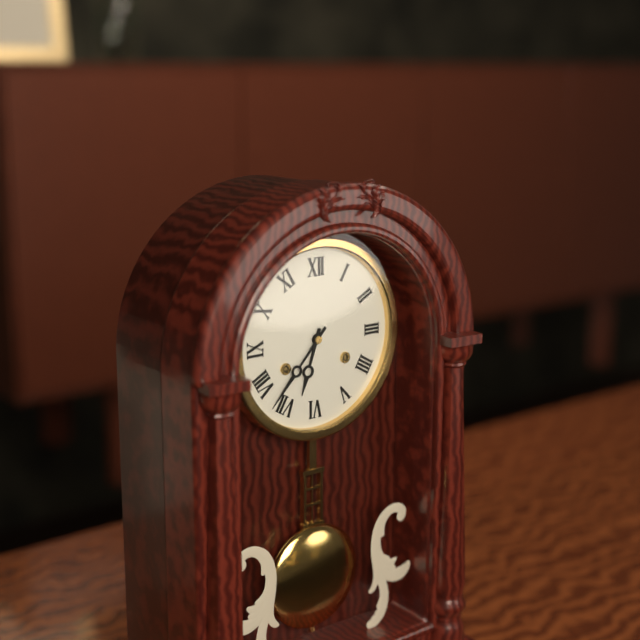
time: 6:37
